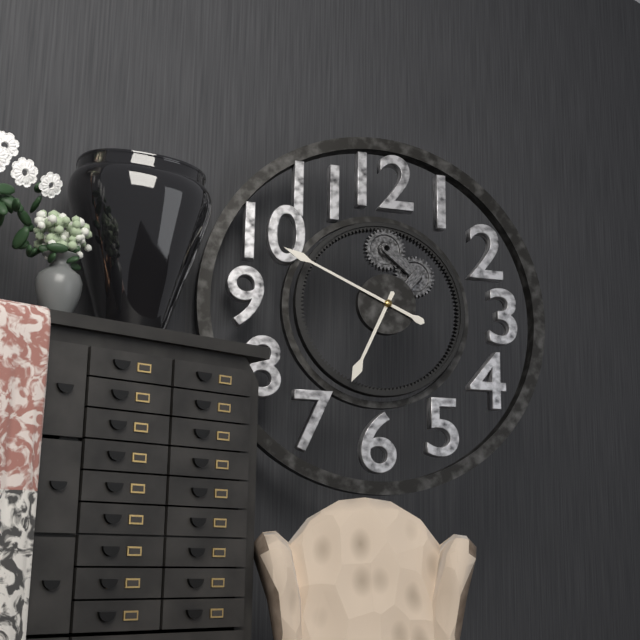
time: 6:49
